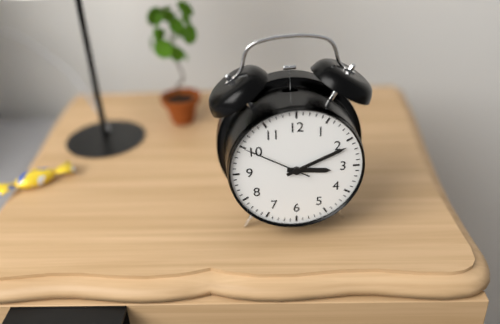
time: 3:11:50
